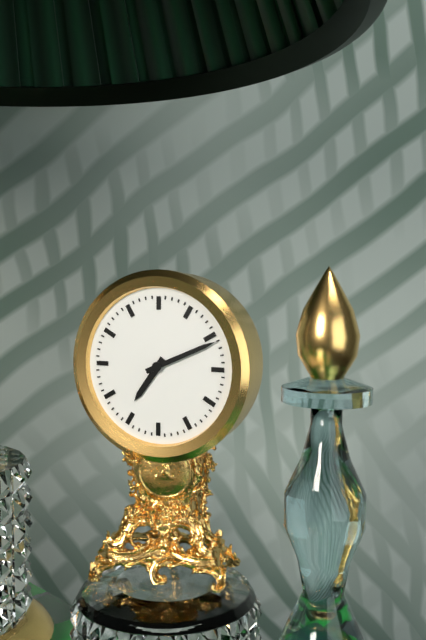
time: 7:11
